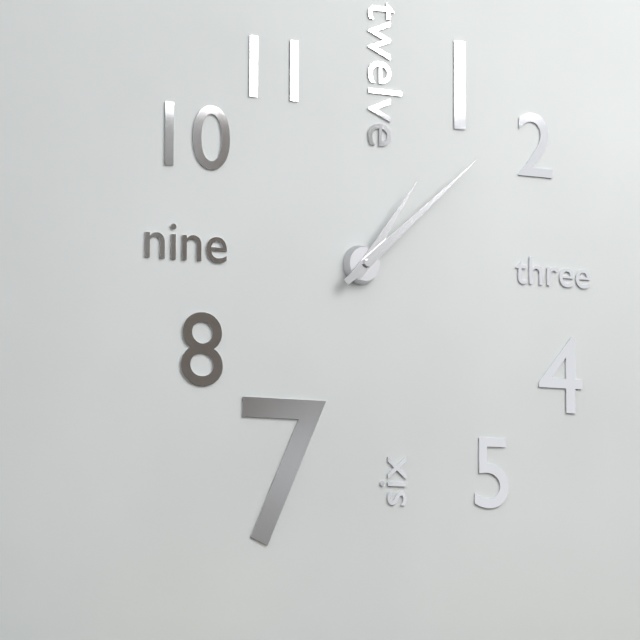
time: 1:08
